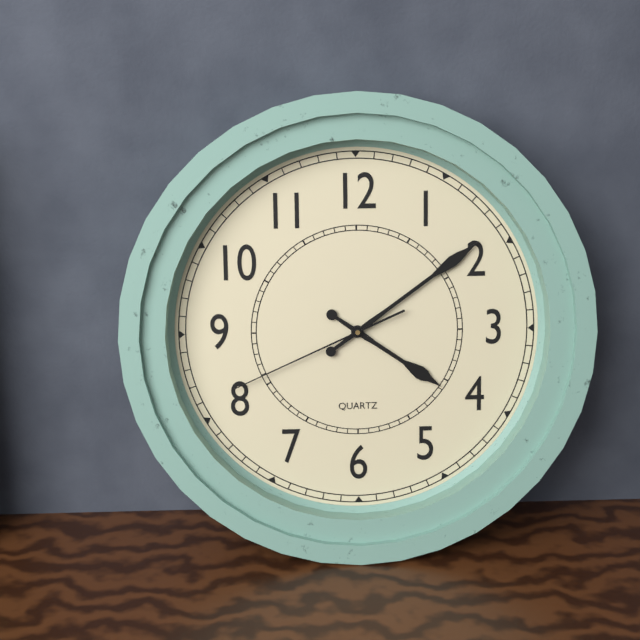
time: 4:09:41
